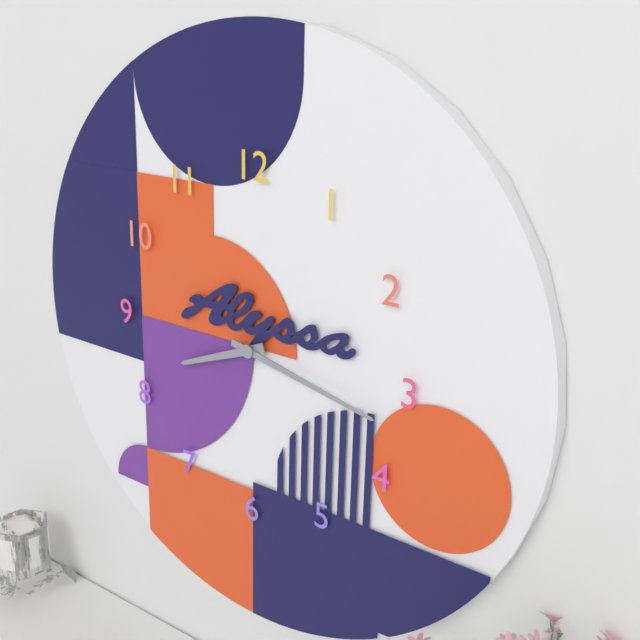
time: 8:17
